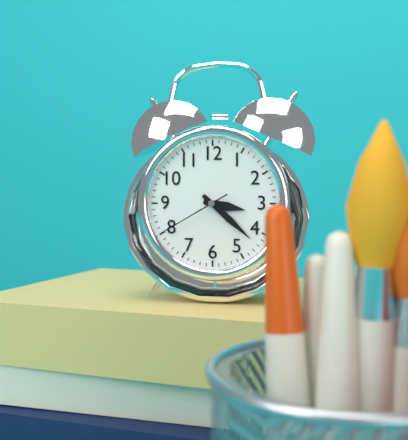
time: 3:22:40
